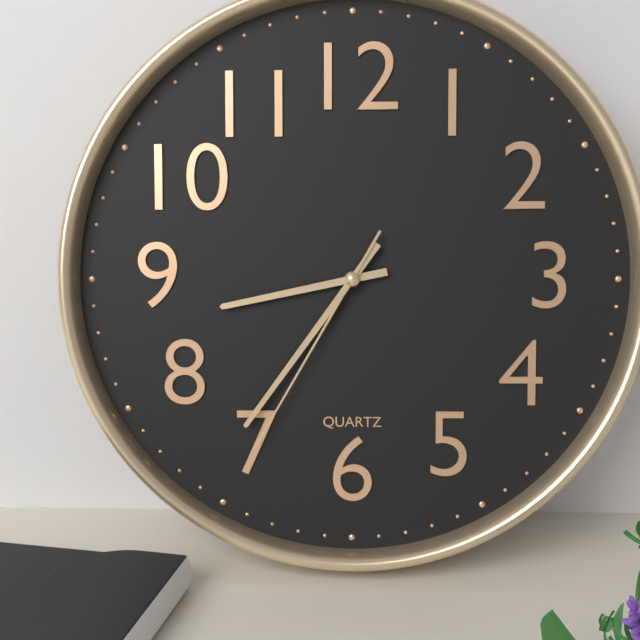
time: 8:36:35
